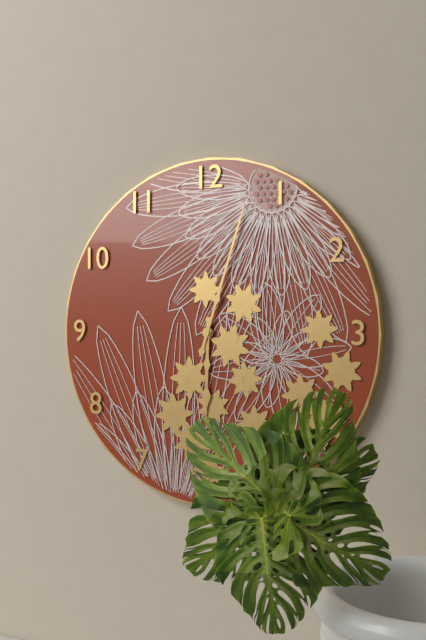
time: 6:03
